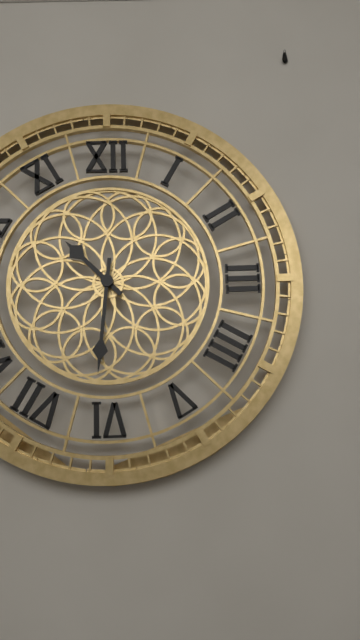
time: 10:31
